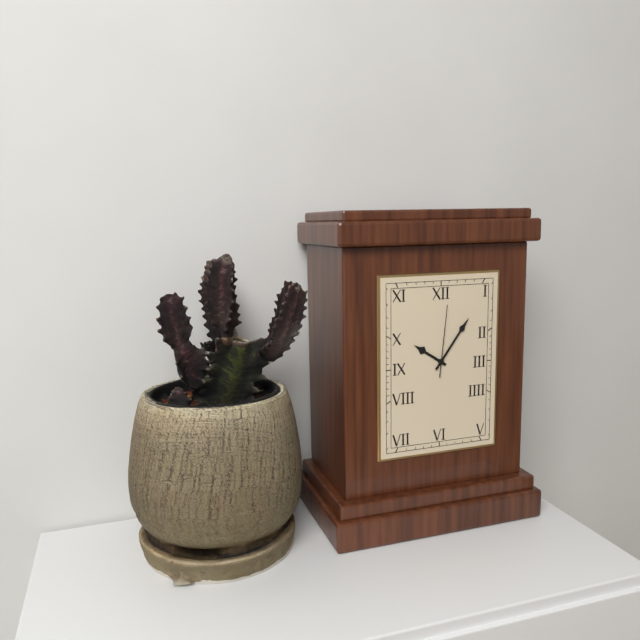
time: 10:06:01
